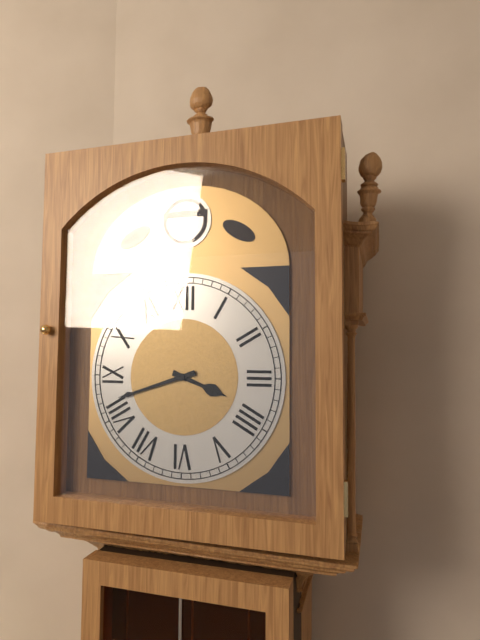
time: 3:42
